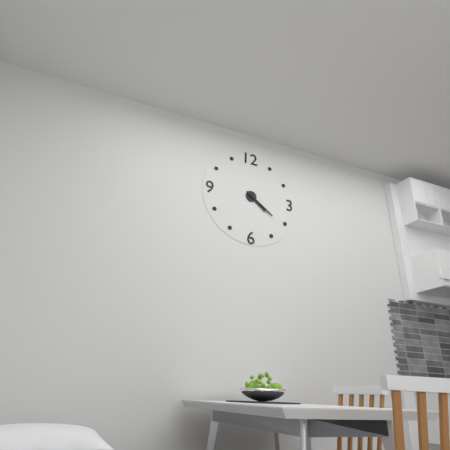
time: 4:21
